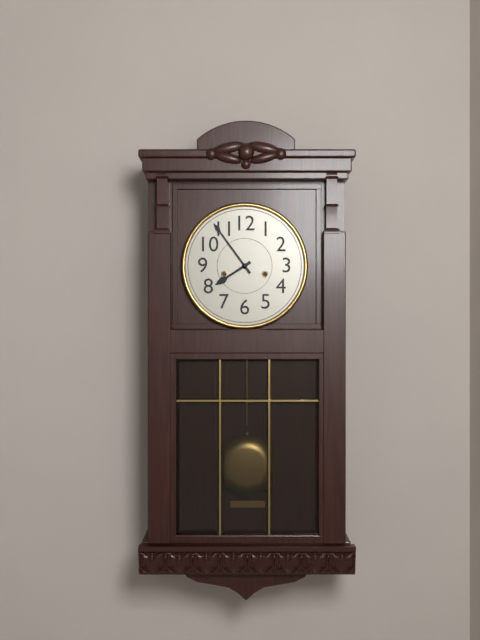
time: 7:54
